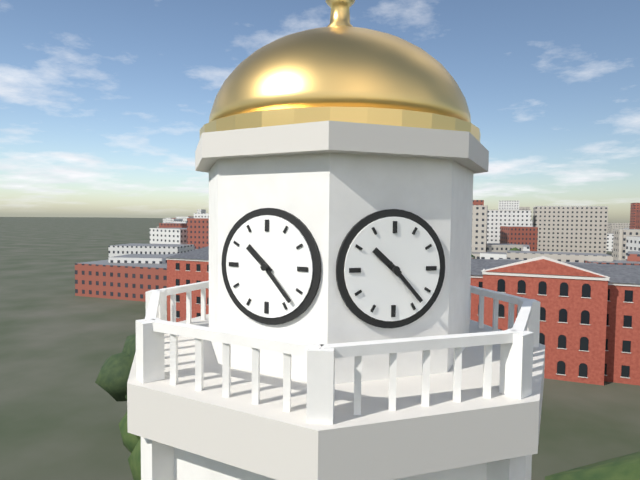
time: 10:23
